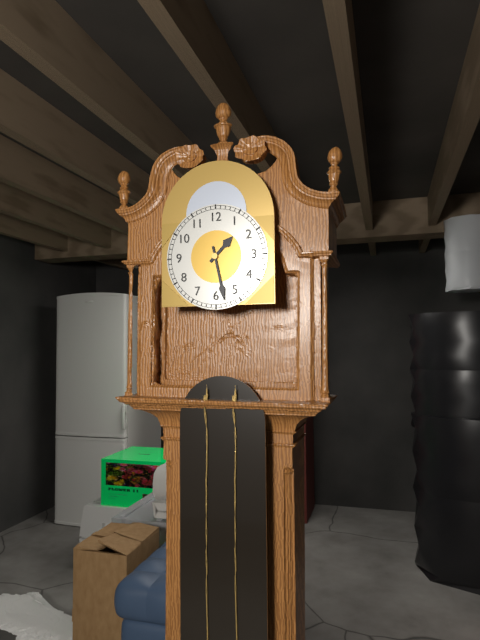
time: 1:28
